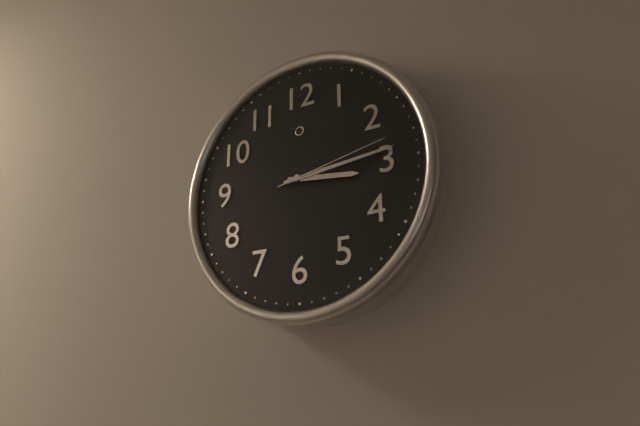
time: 3:14:13
